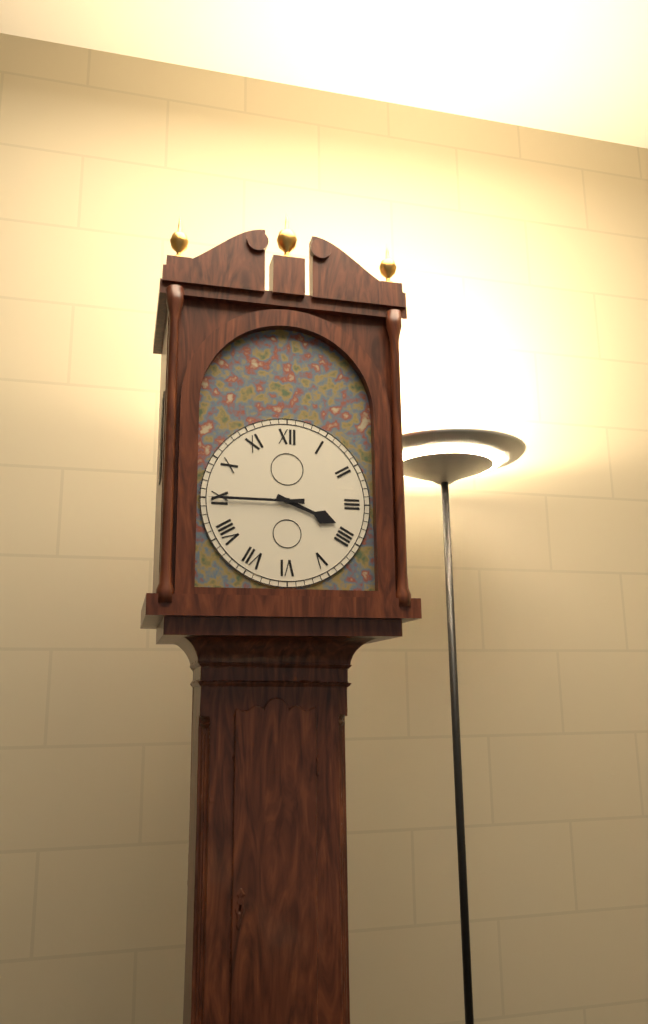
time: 3:45
